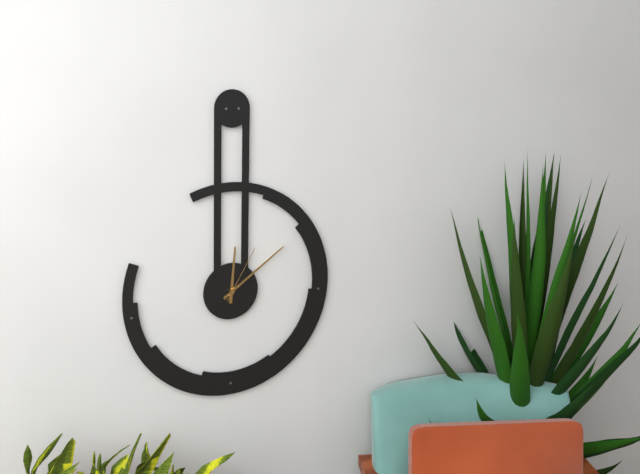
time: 12:09:05
